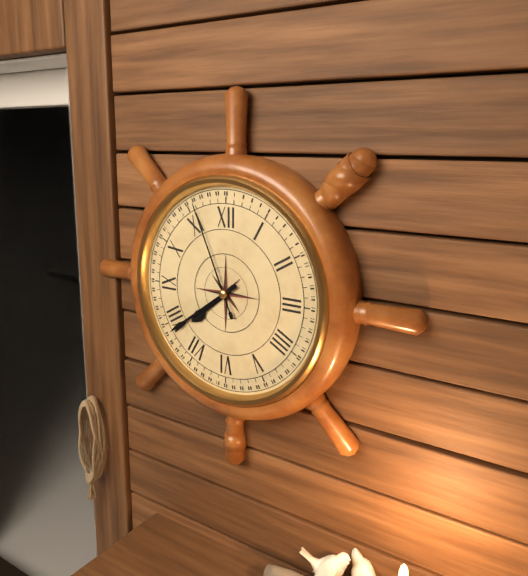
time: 7:39:56
